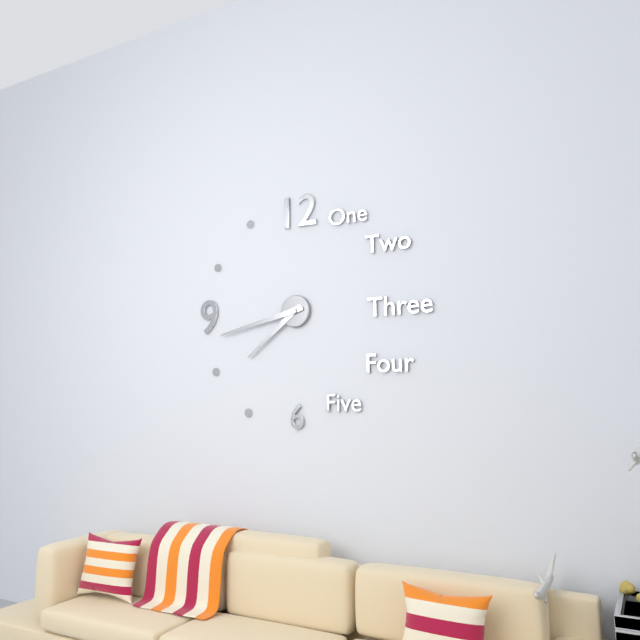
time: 7:43
